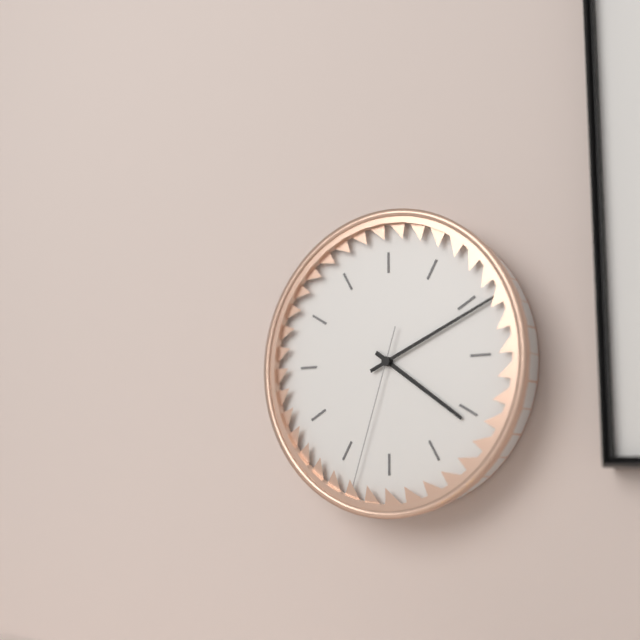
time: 4:11:33
